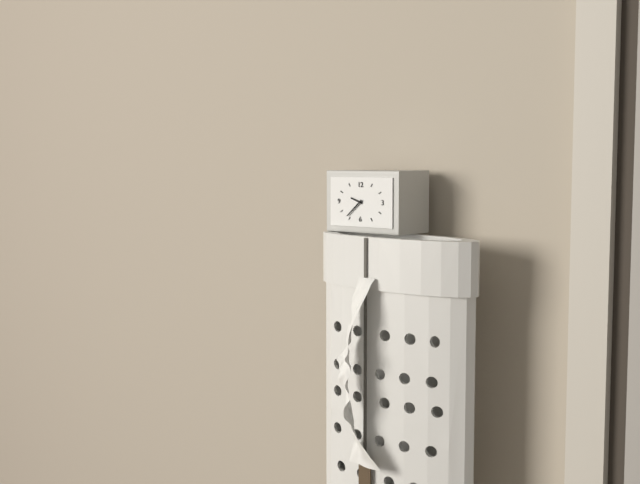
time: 9:38
